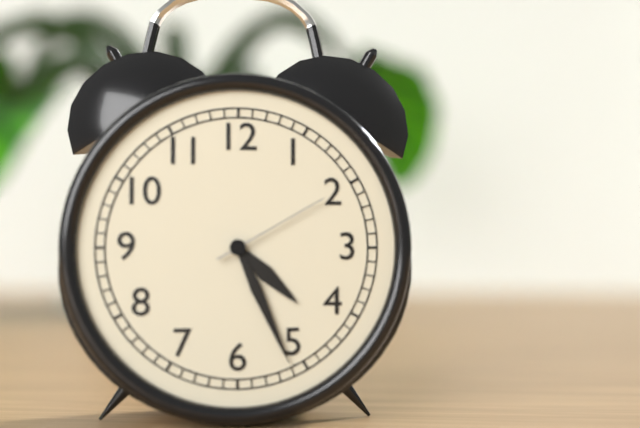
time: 4:26:10
